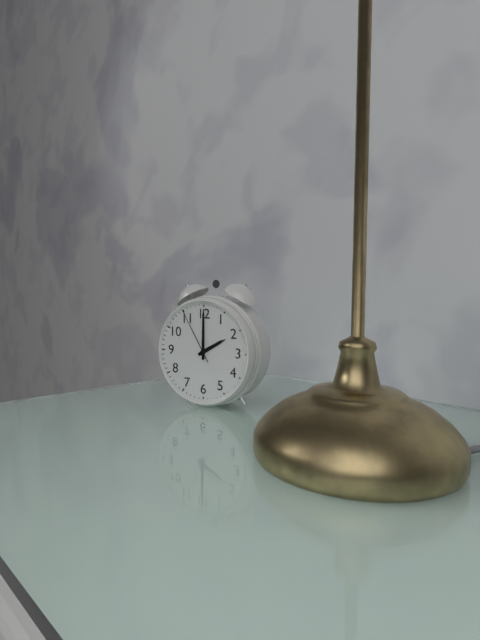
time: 2:00:55
